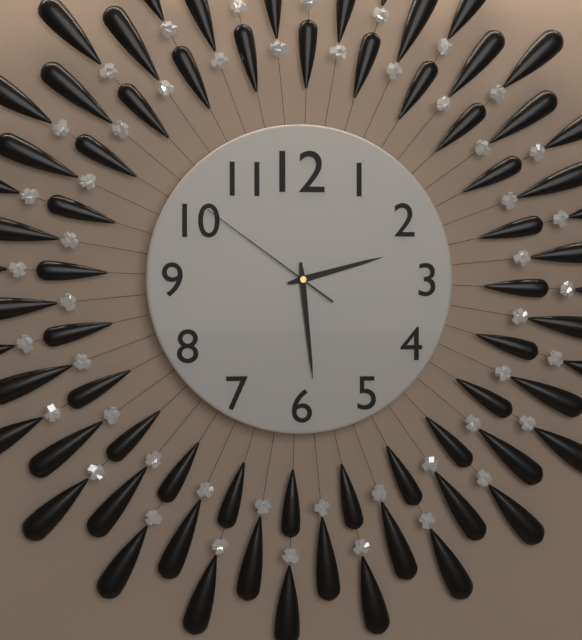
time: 2:29:51
